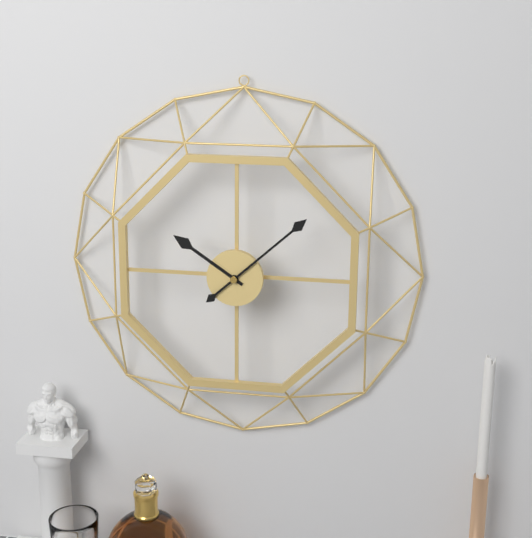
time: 10:08
